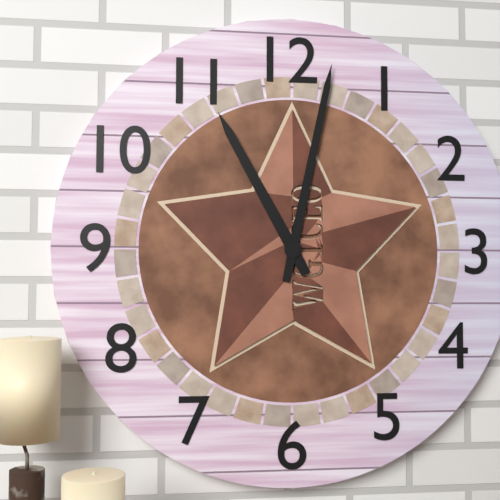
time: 11:02
